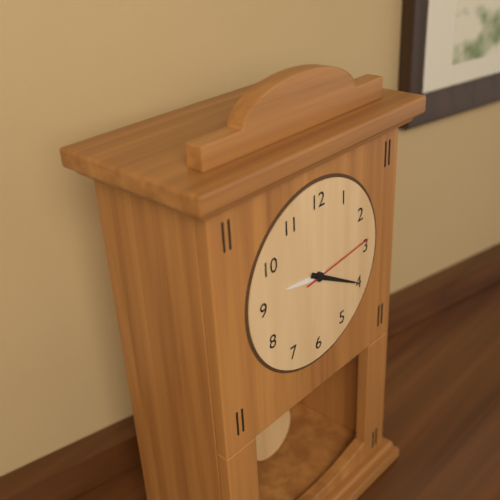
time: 9:20:14
